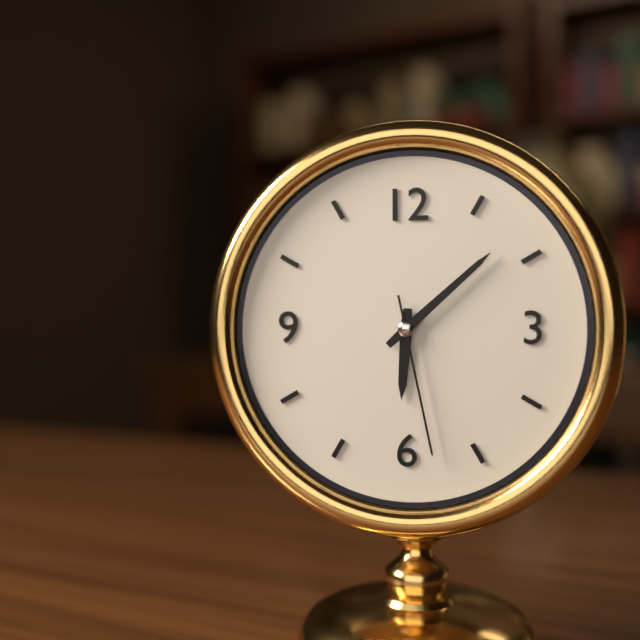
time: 6:08:28
